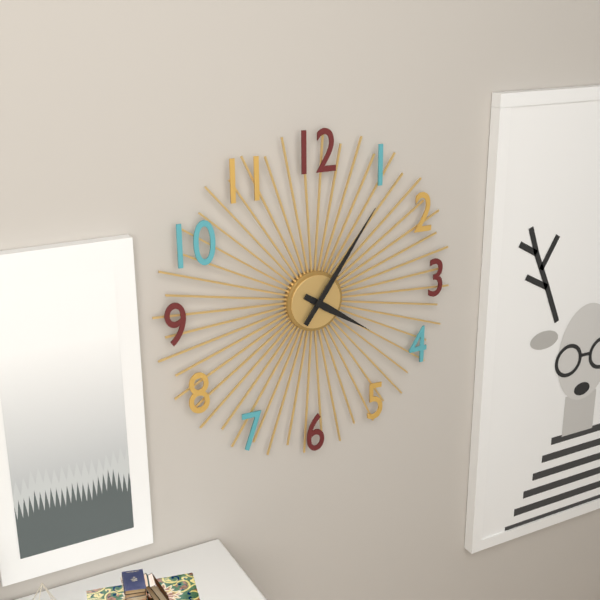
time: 4:06
